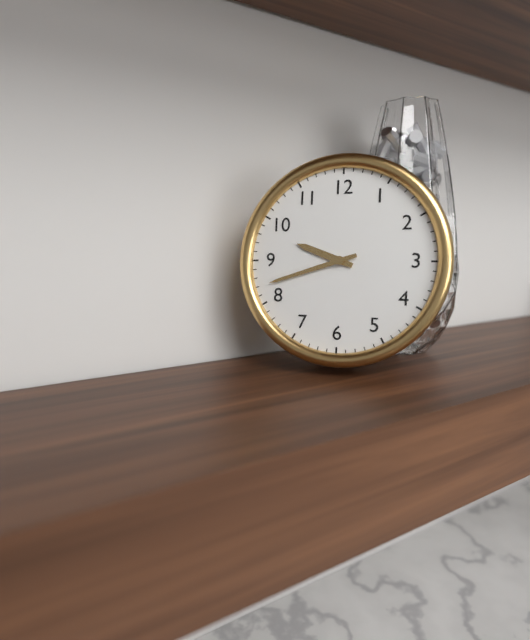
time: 9:42
